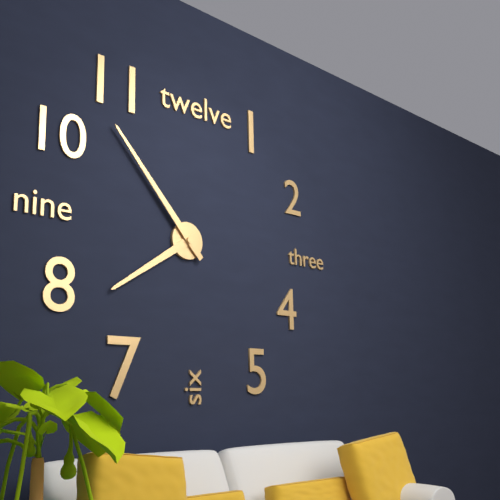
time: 7:53
